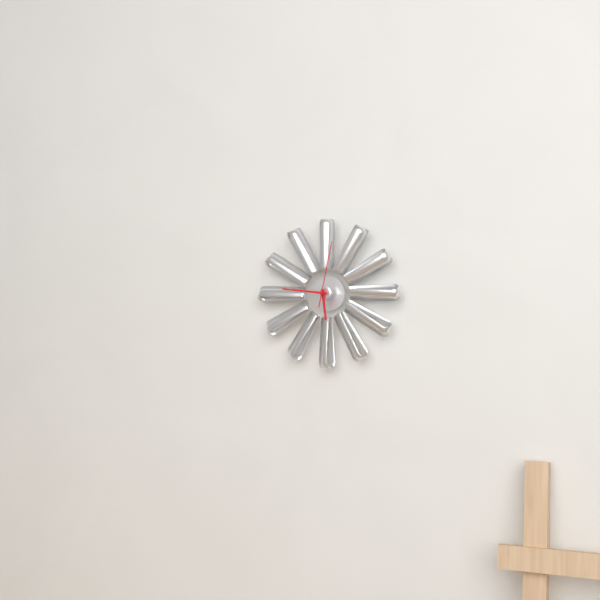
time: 5:46:02
